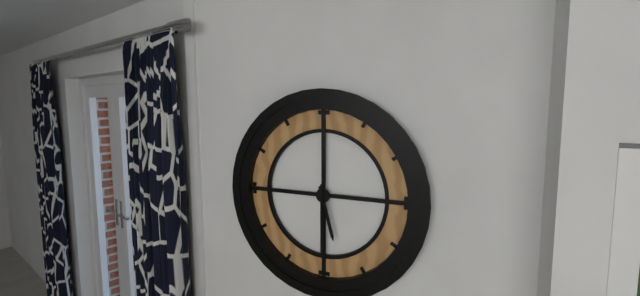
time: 5:30
